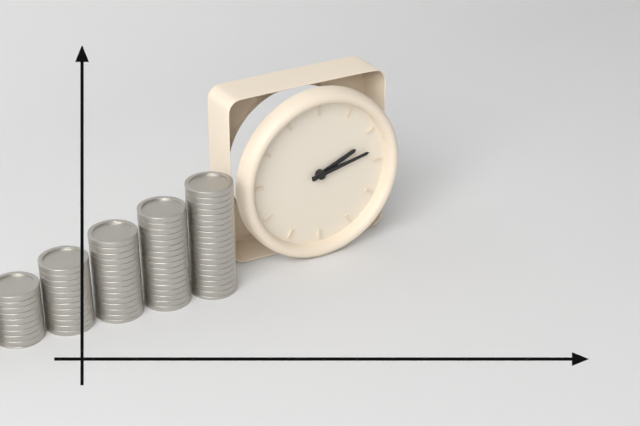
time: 2:13
